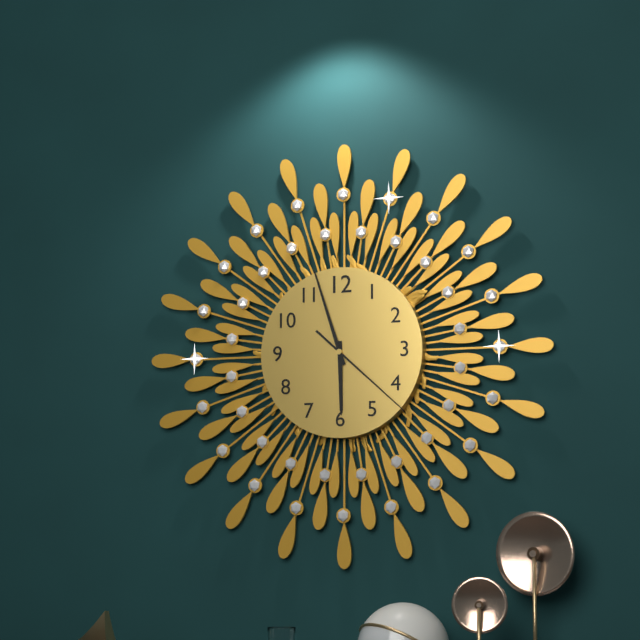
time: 5:57:22
